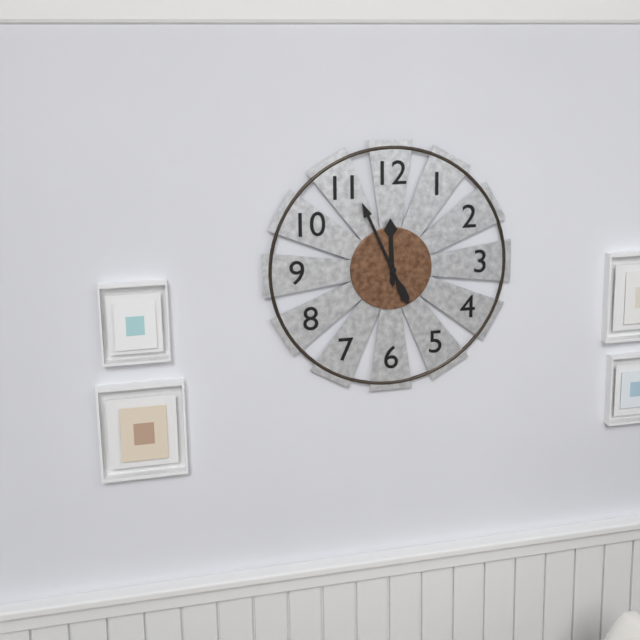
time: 11:56
